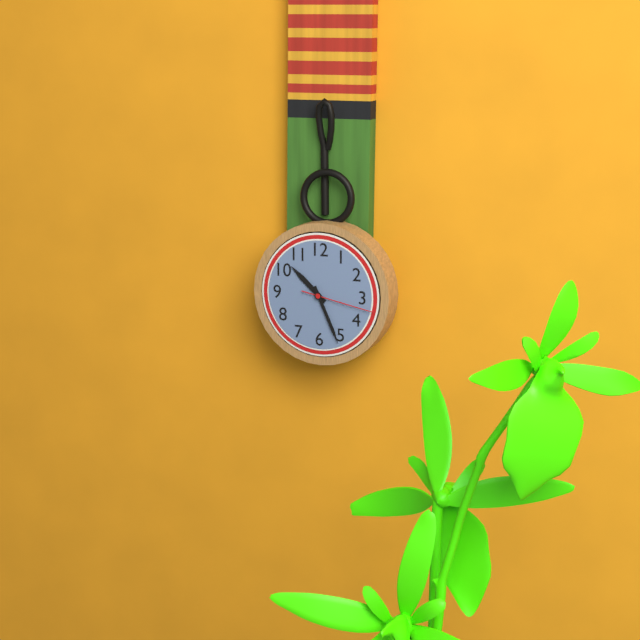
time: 10:26:17
